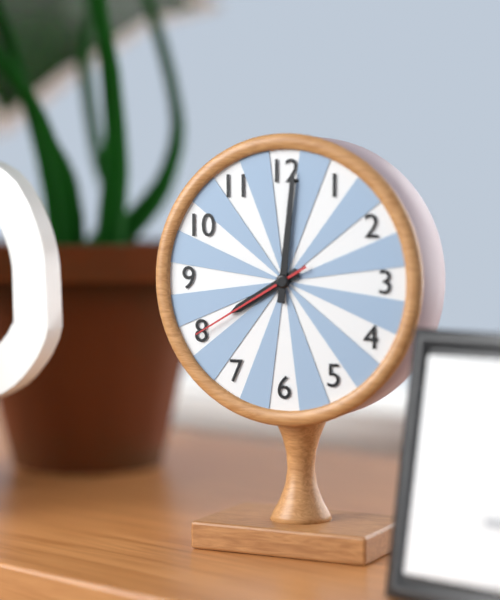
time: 8:01:40
